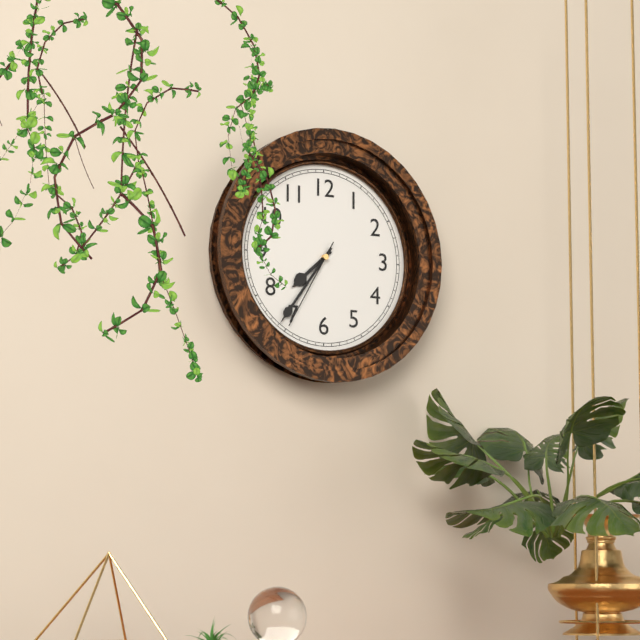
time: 7:36:35
